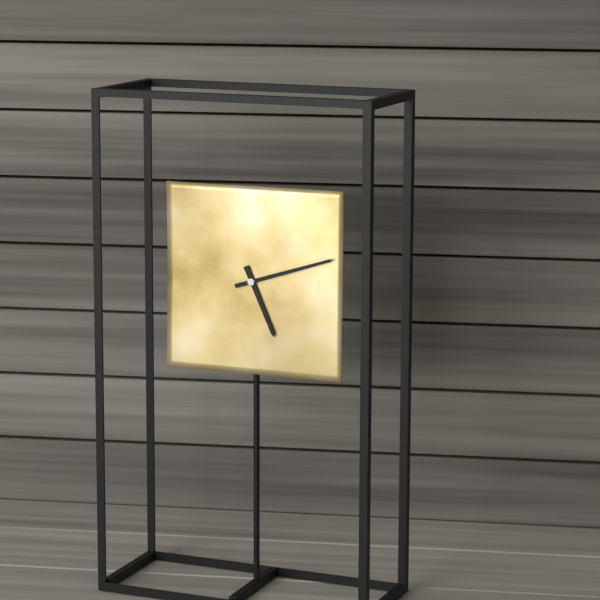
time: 5:12
